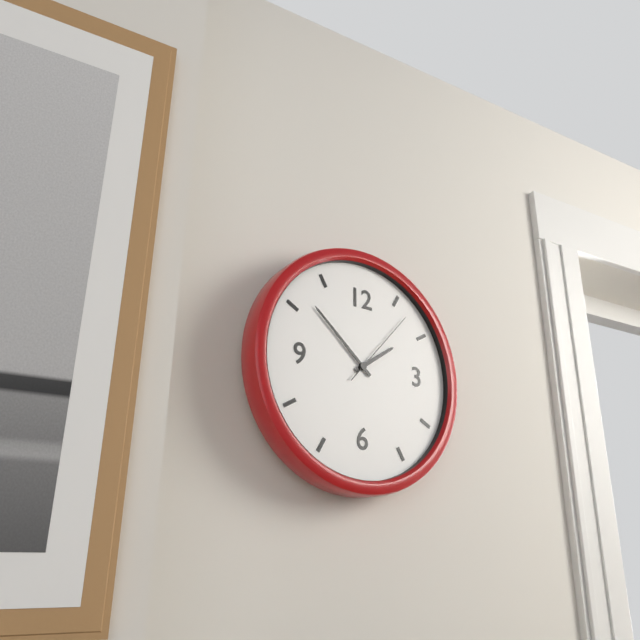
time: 1:52:07
